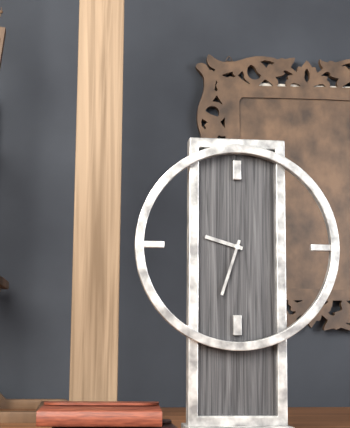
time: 9:33
